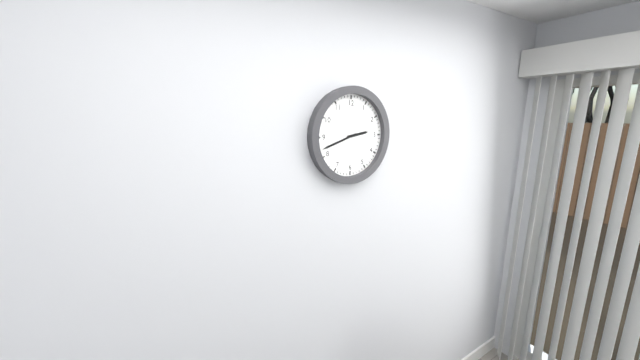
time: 2:42
